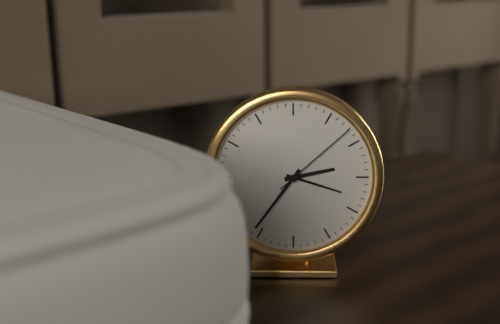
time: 2:36:08
